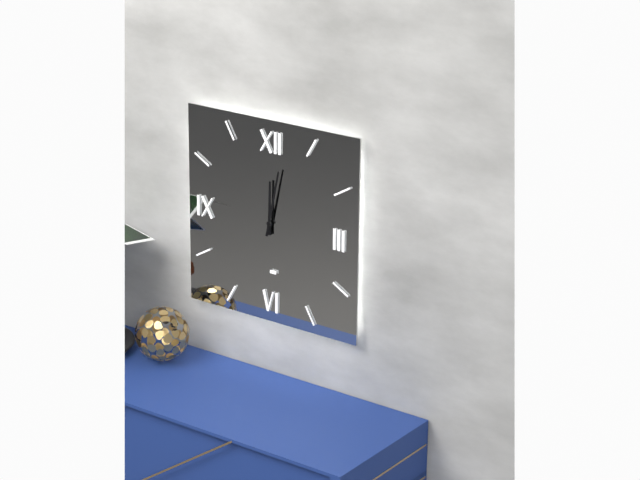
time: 12:02
